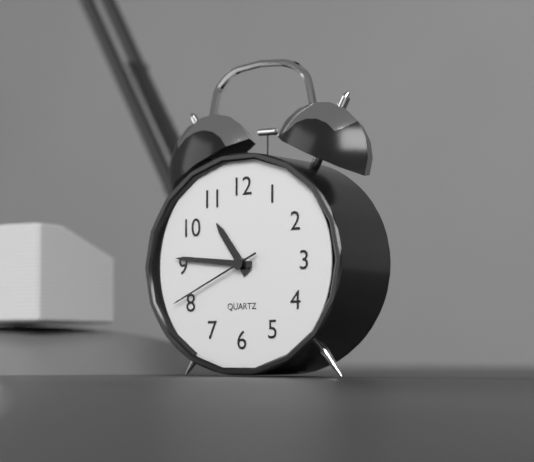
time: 10:46:41
